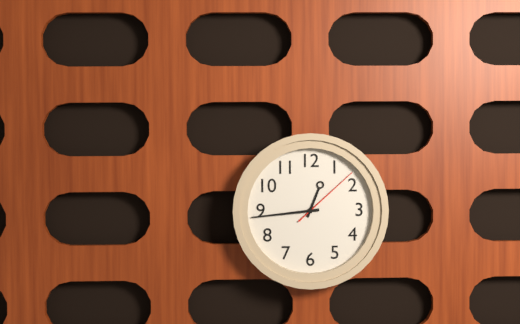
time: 12:44:08
